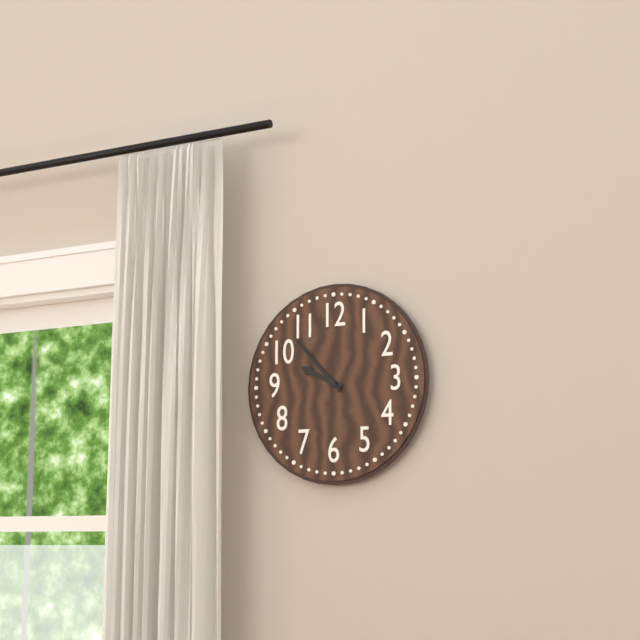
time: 9:53
